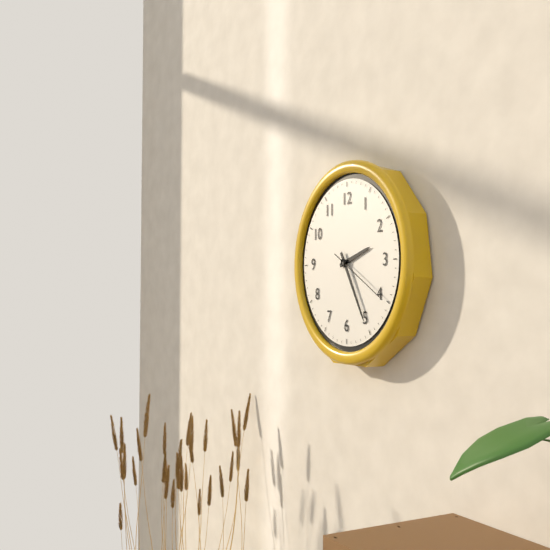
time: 2:25:20
